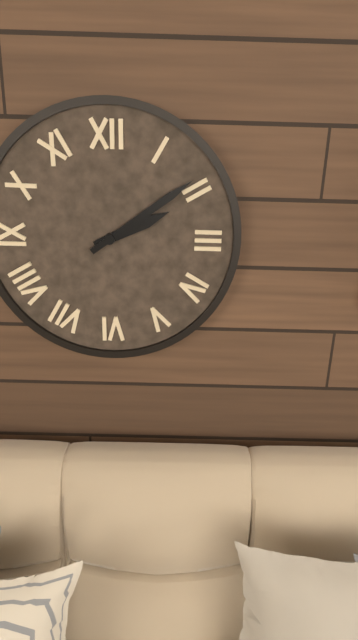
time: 2:09
